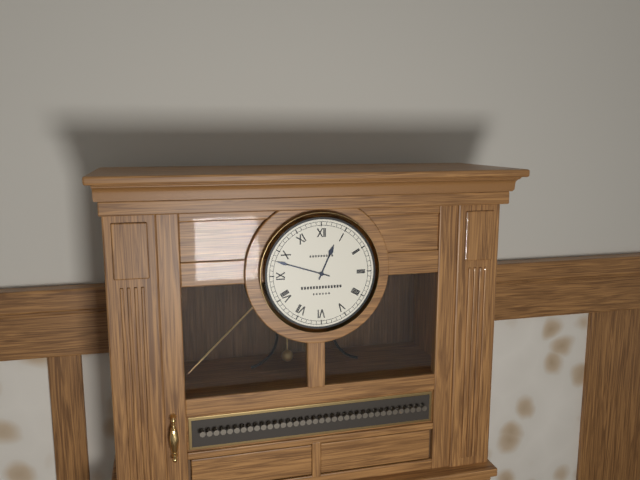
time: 12:48
